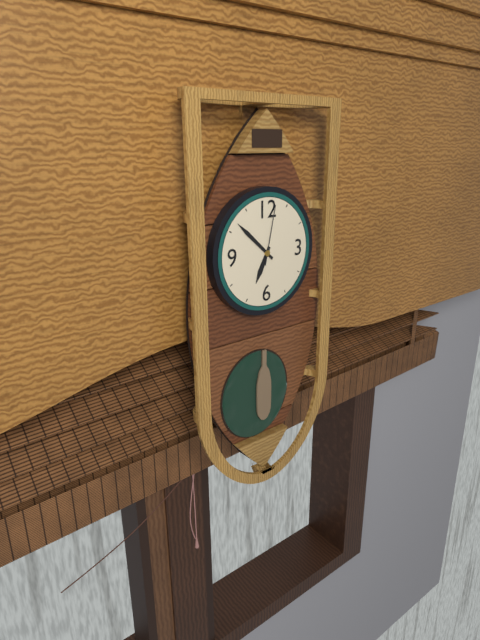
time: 6:52:02
